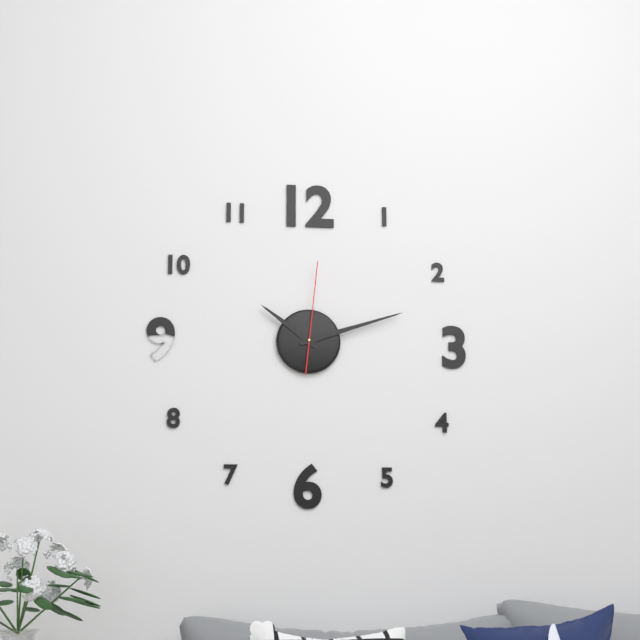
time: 10:12:01
